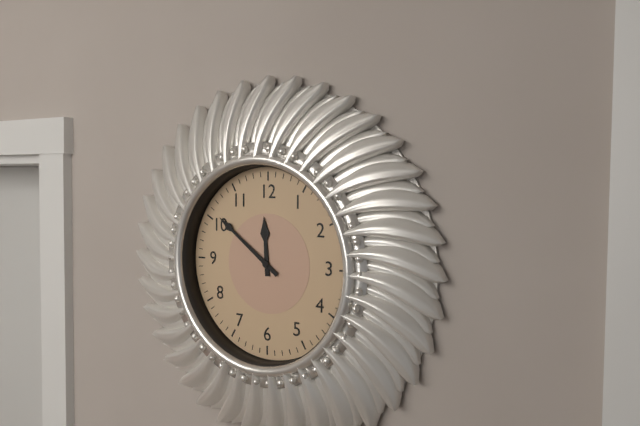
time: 11:51
